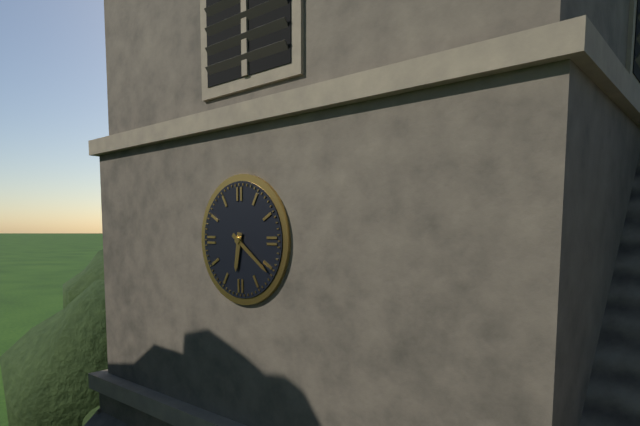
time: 6:21
